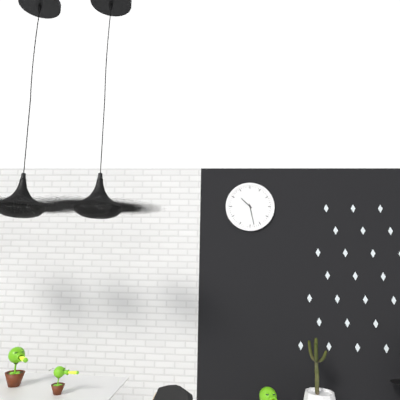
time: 10:28
